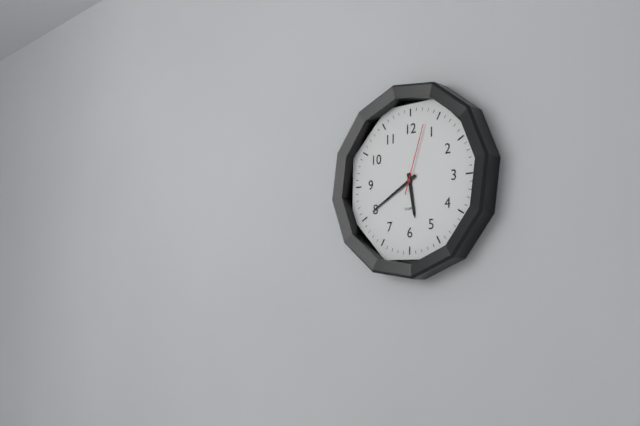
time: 5:40:03
